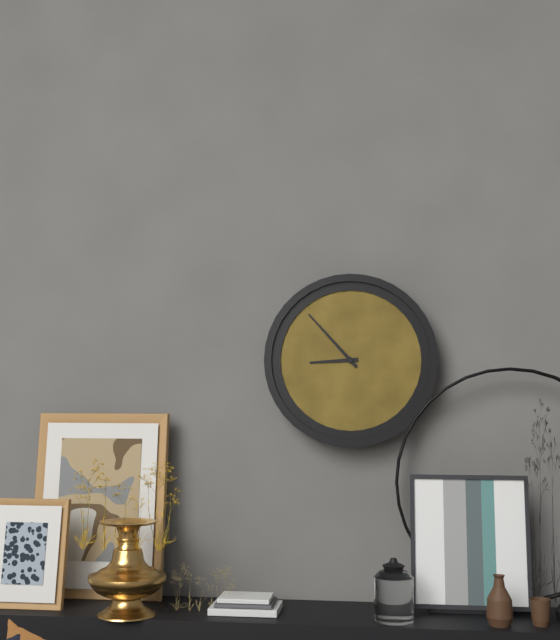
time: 8:53
